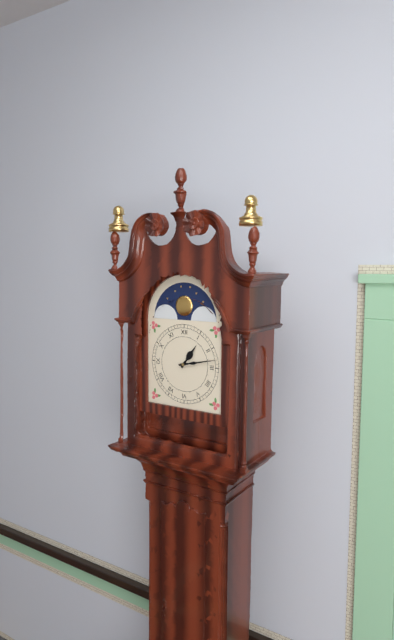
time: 1:13
